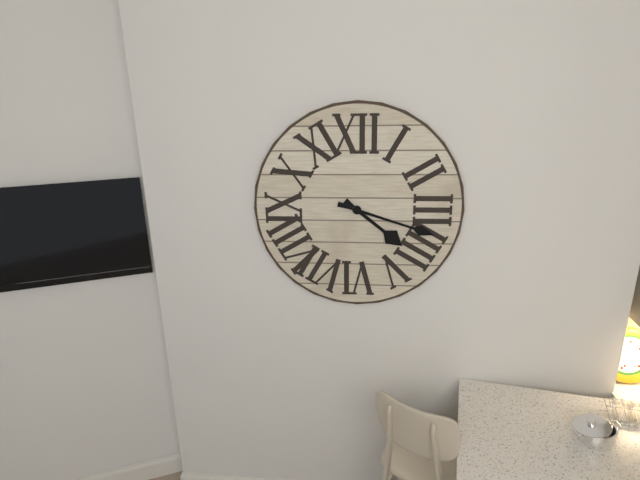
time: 4:18
